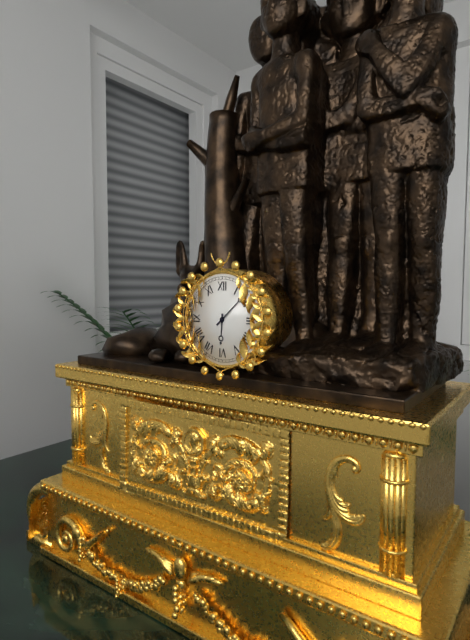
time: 6:08
